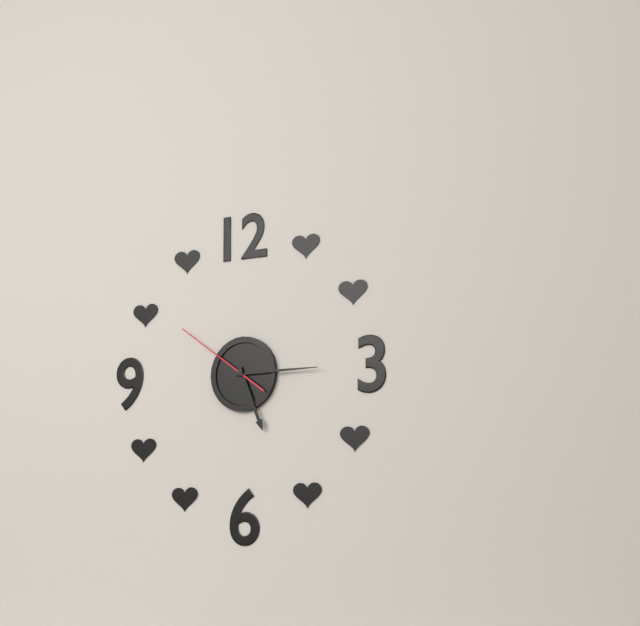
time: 5:15:51
